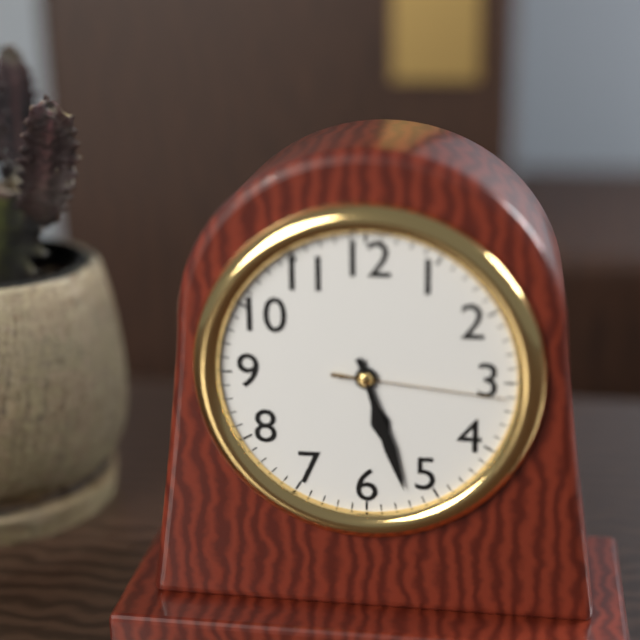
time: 5:27:16
